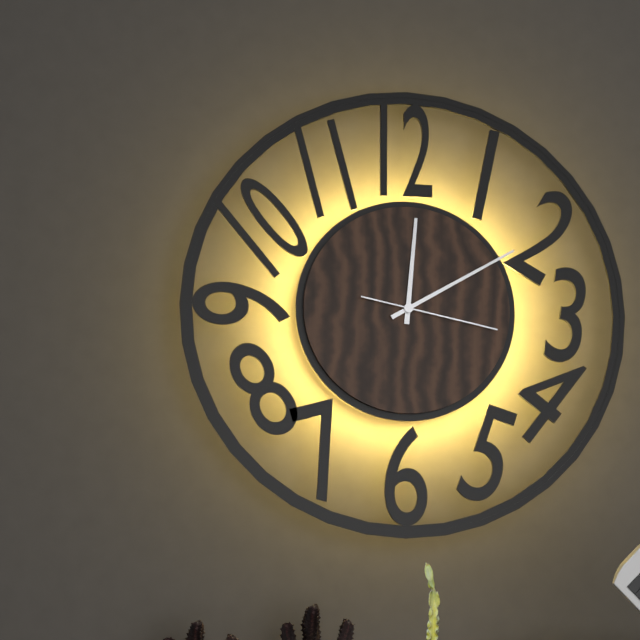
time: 12:10:17
